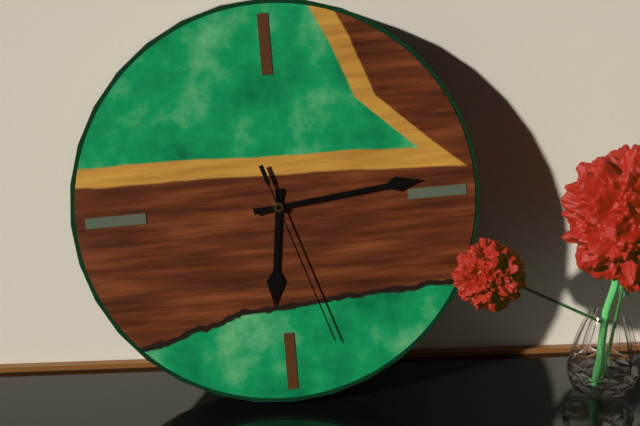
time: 6:14:27
